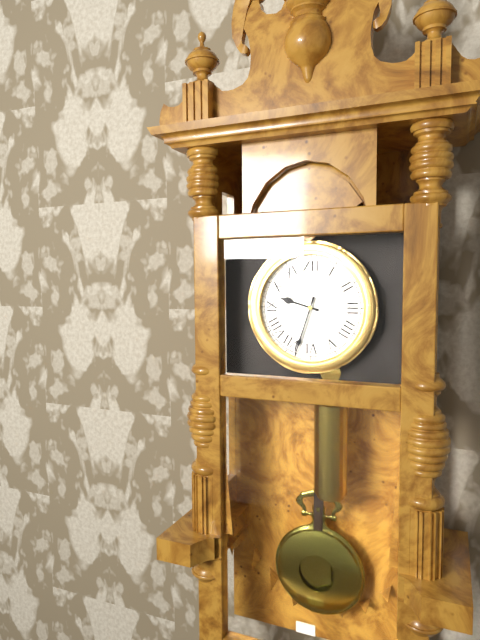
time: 9:33
